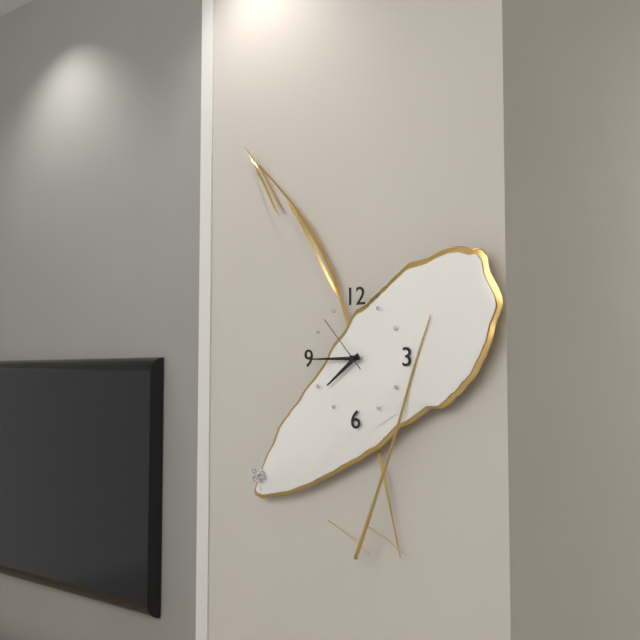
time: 7:45:53
